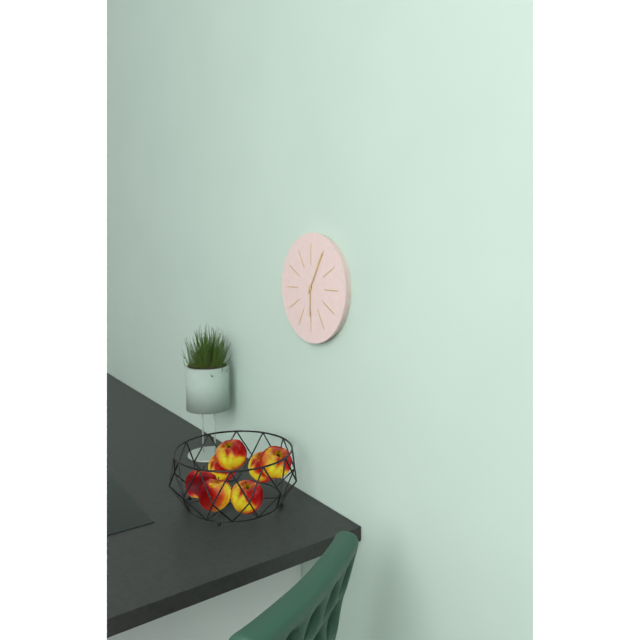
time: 6:05
